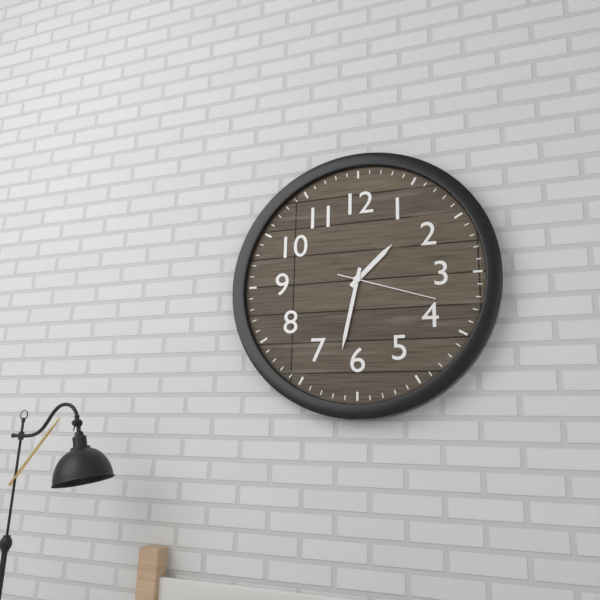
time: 1:32:18
